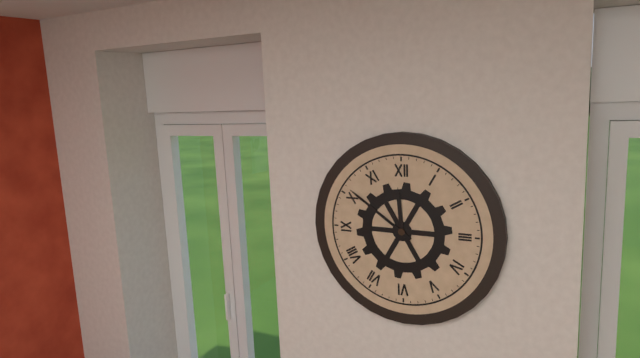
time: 11:51
